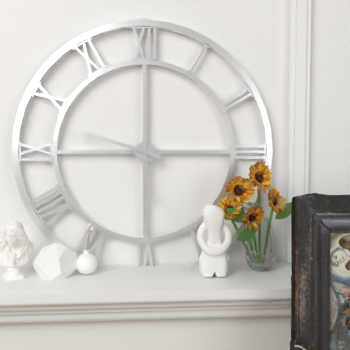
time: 5:48
